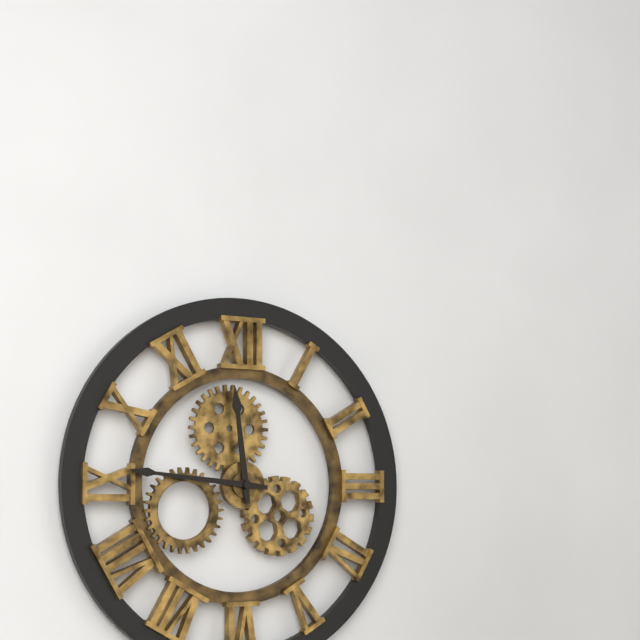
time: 11:46
